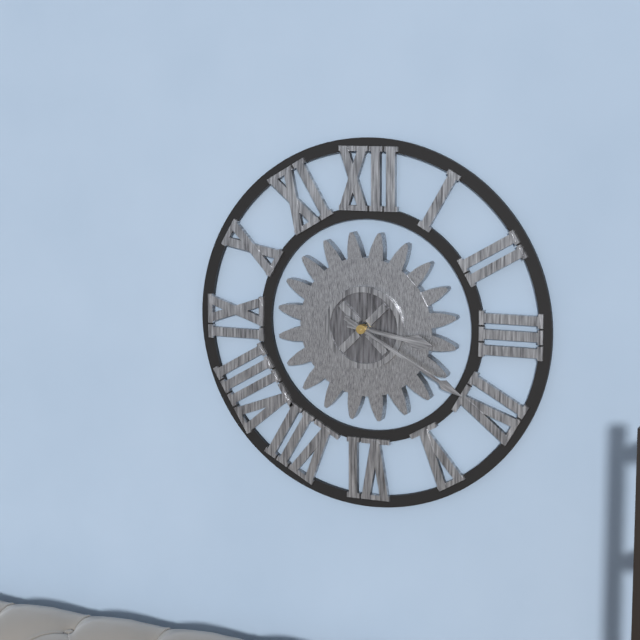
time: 3:20
